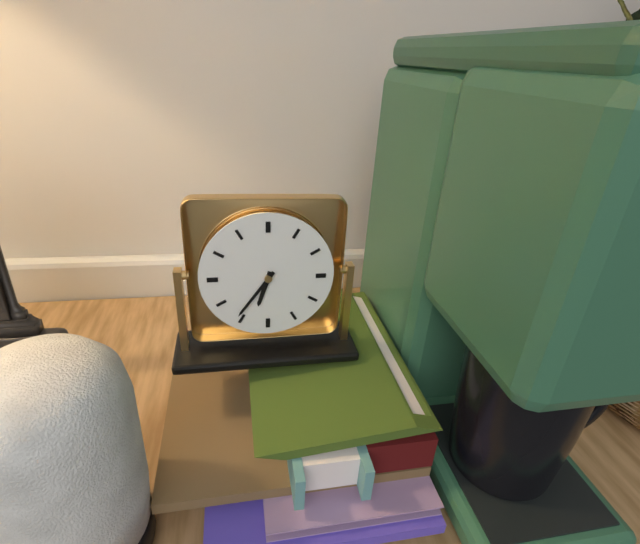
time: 6:36
